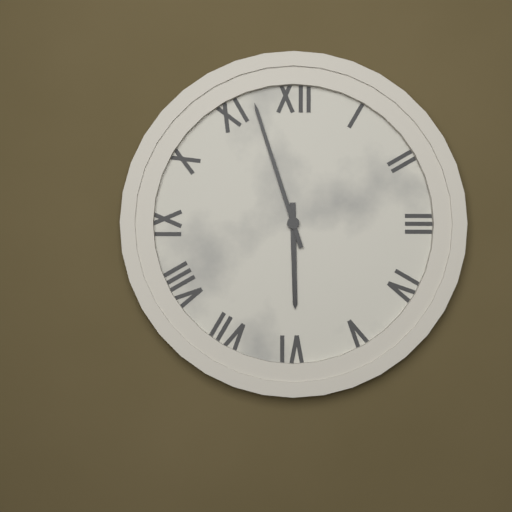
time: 5:57
